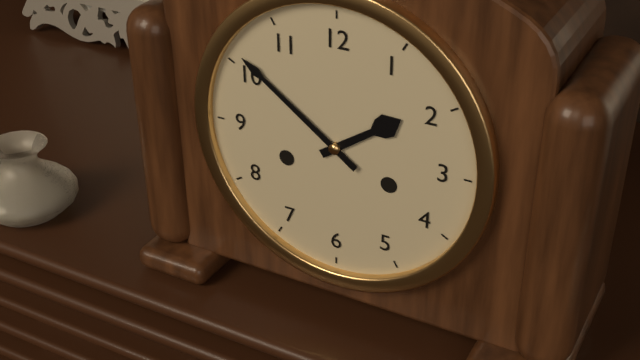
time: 1:51
